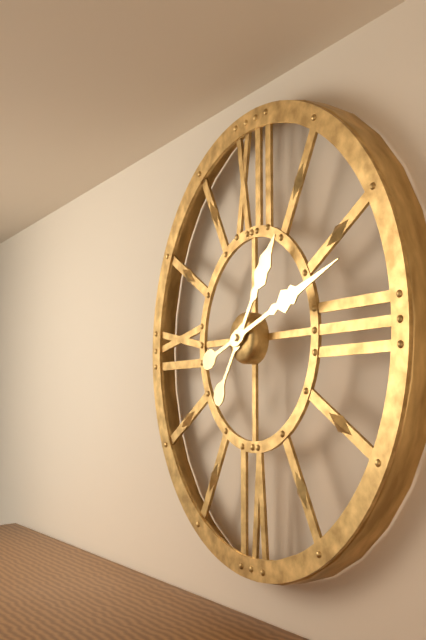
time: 1:12
